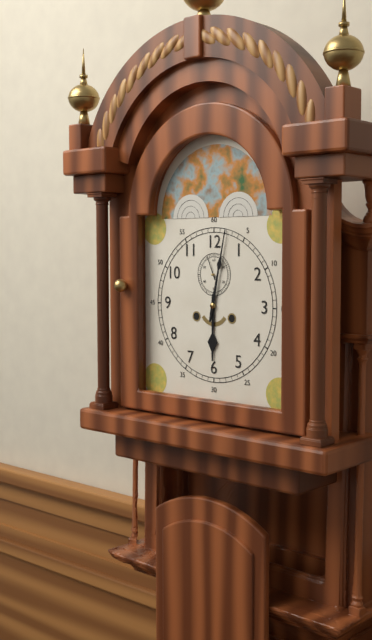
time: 6:02
